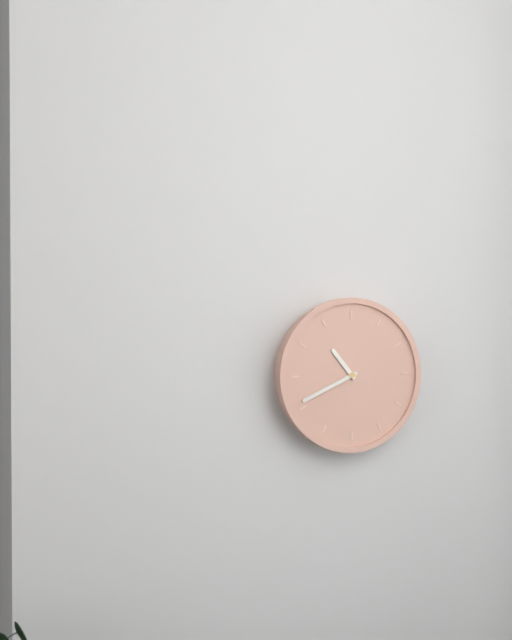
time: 10:41
